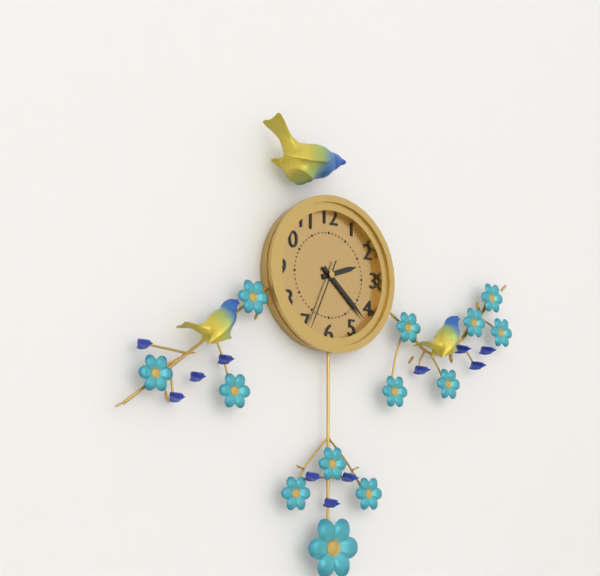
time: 2:22:34
